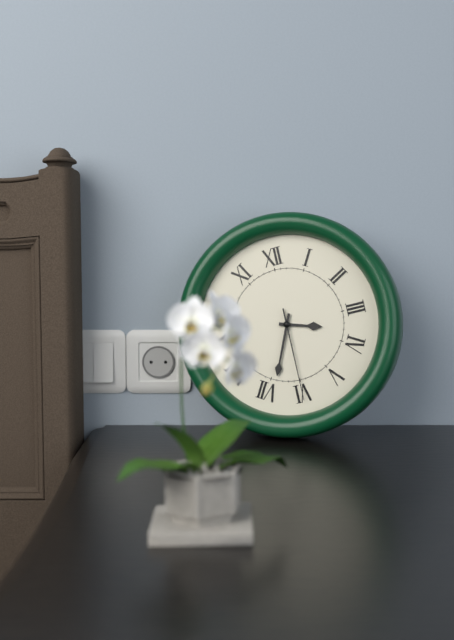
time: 3:34:30
